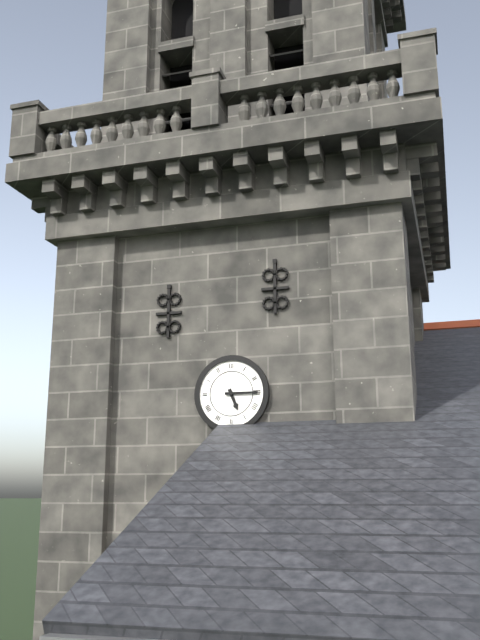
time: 5:15
